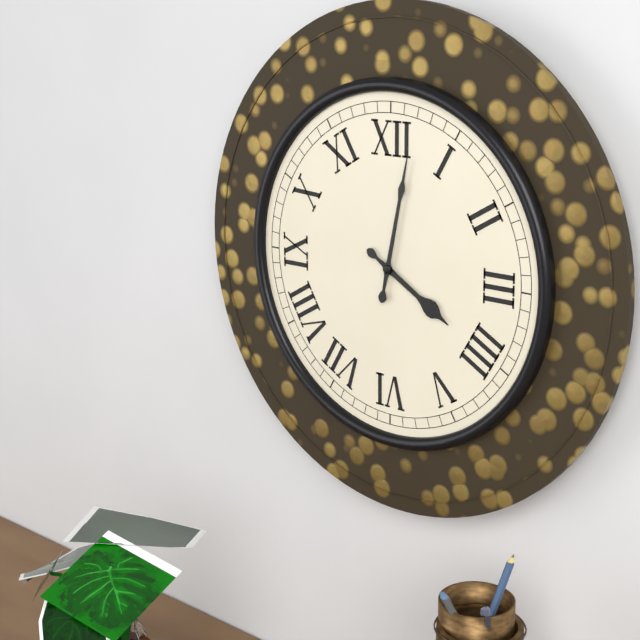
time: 4:02
